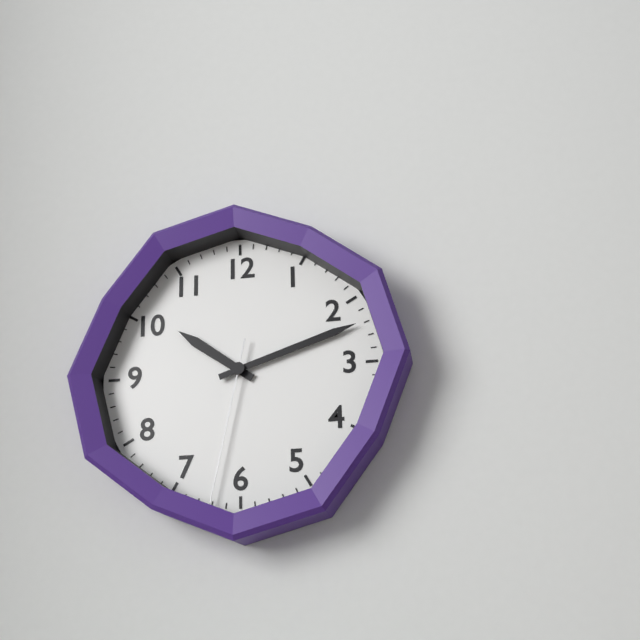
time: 10:12:32
